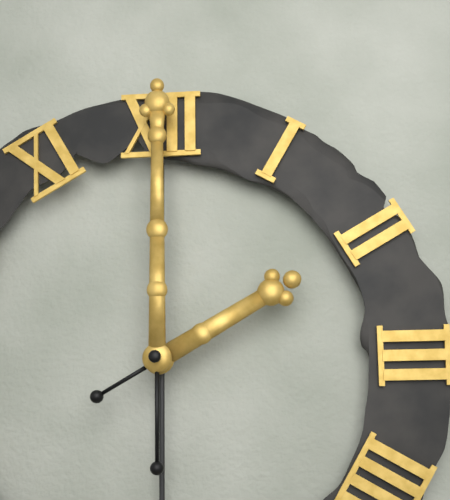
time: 2:00
